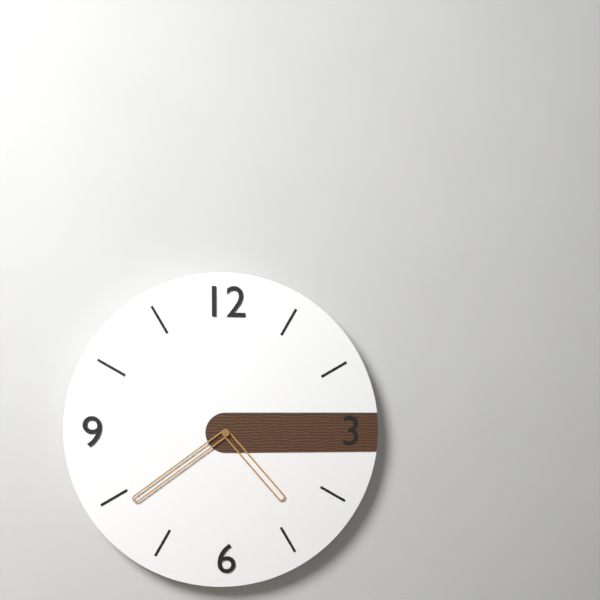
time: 4:39
